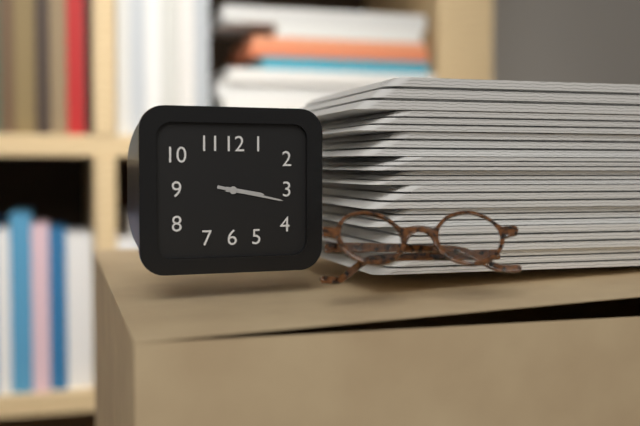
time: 3:17
